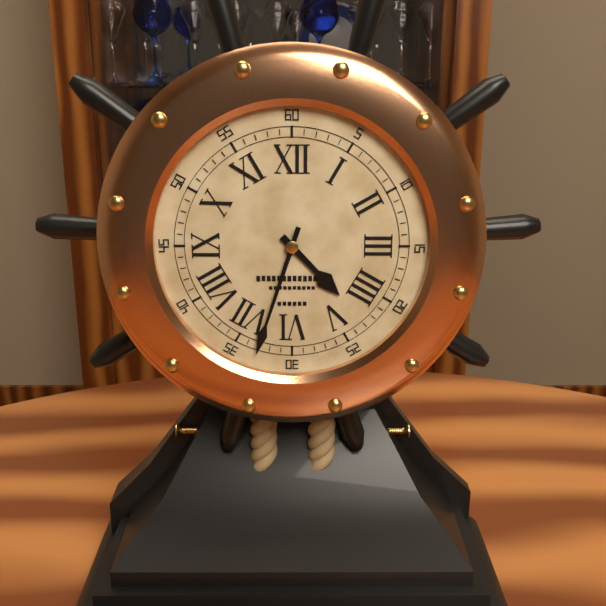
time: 4:33
